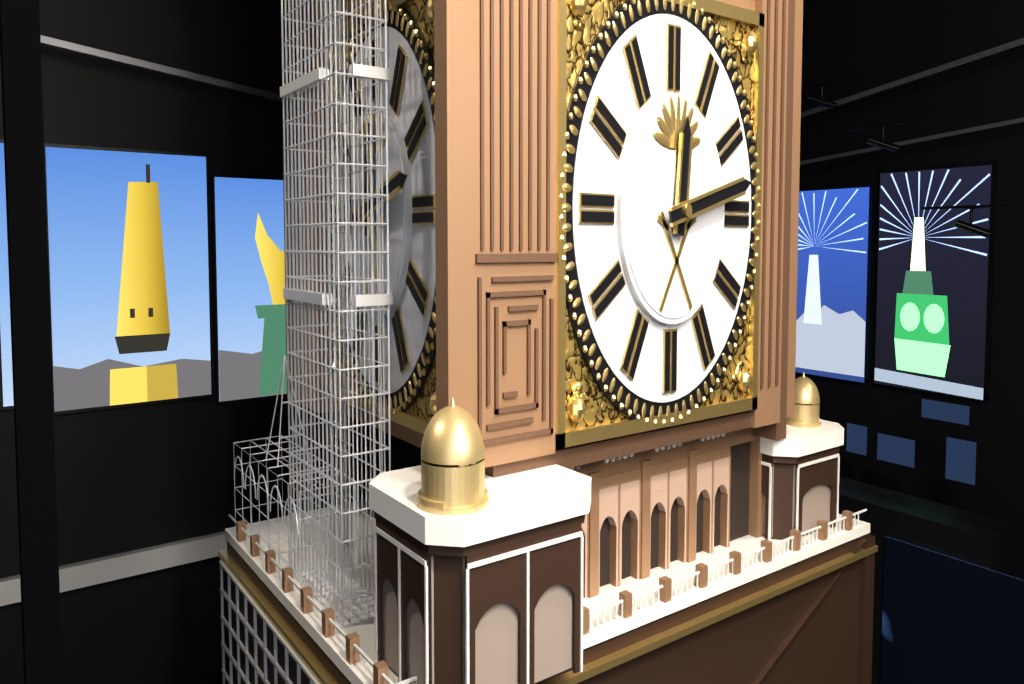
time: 12:13
